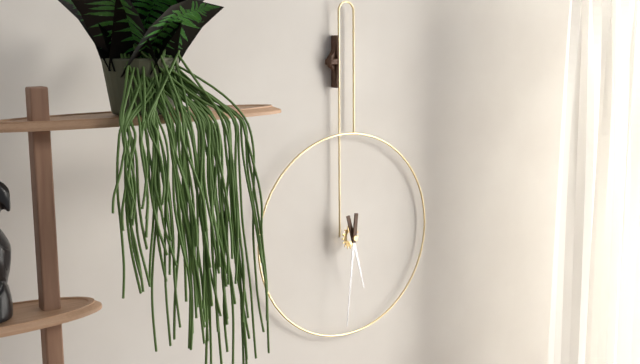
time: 5:31
